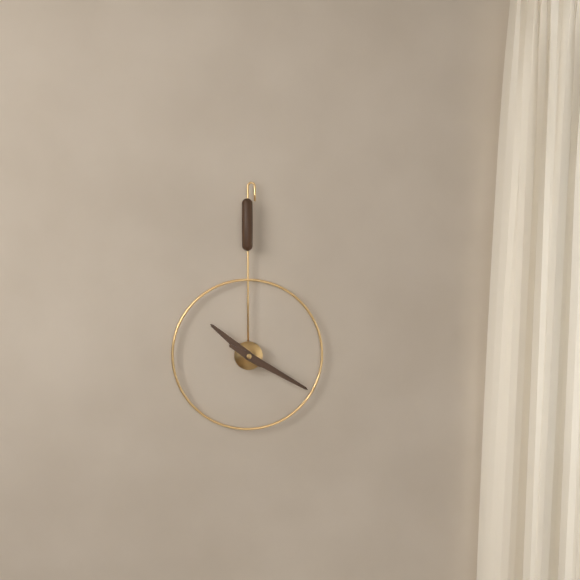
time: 10:20
